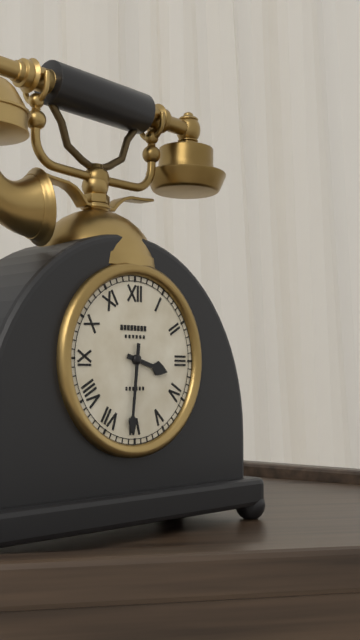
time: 3:31
